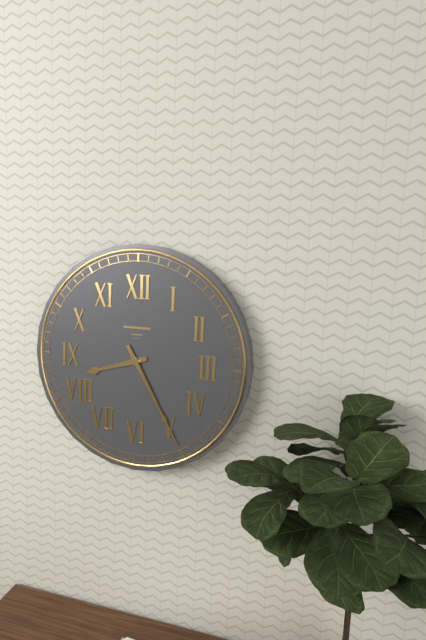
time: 8:25
